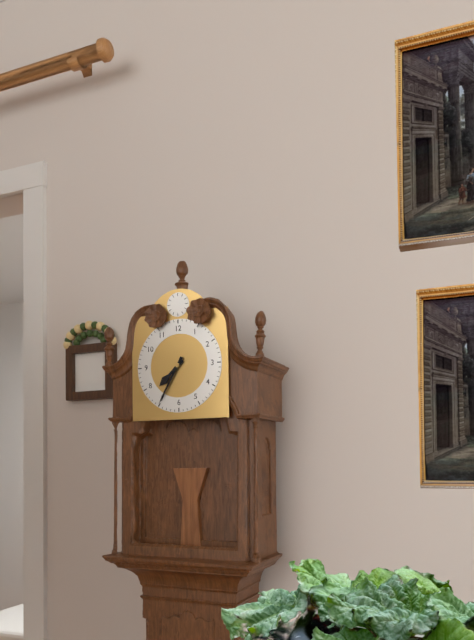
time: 7:35
